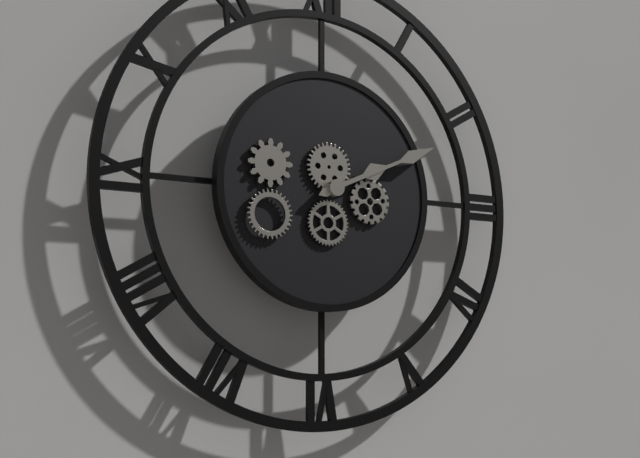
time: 2:11
